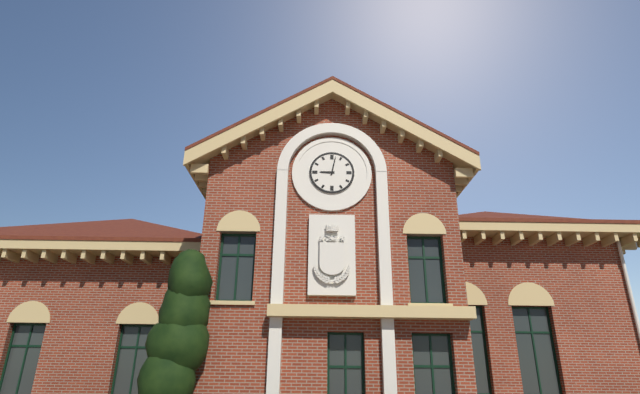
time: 9:02
